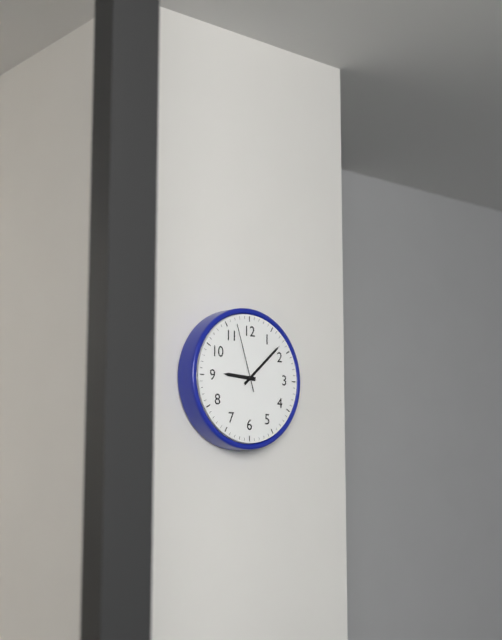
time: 9:08:57
